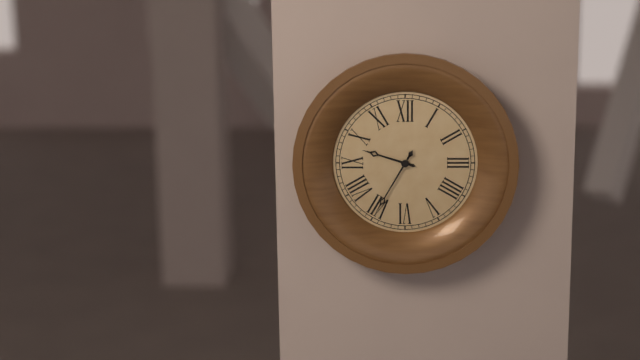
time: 9:35
